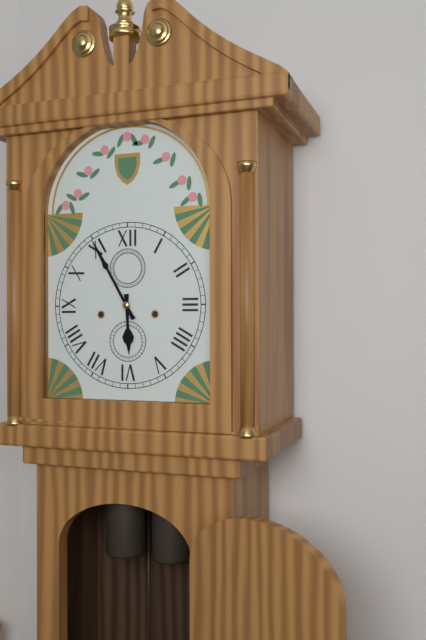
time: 5:55
